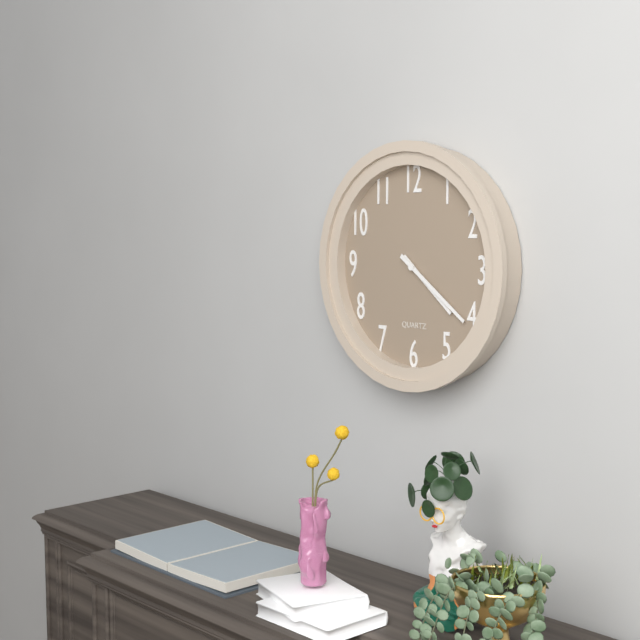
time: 4:21
